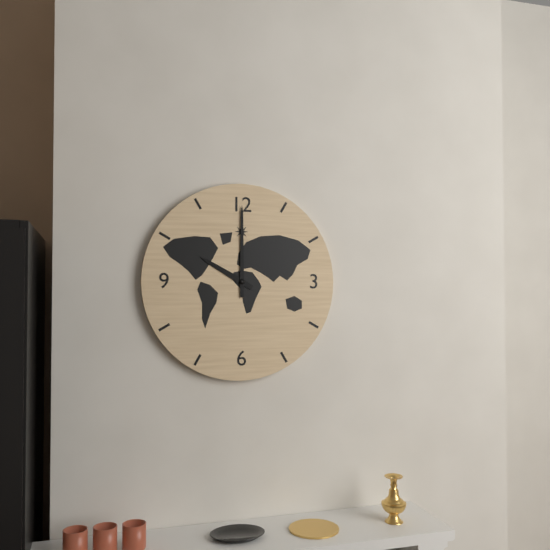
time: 10:00
